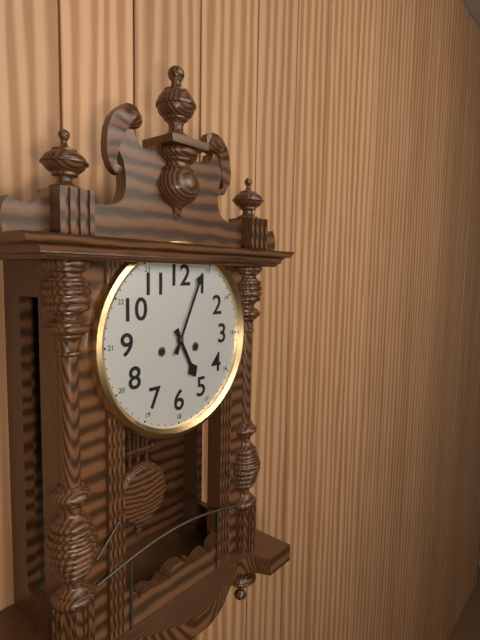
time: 5:04
